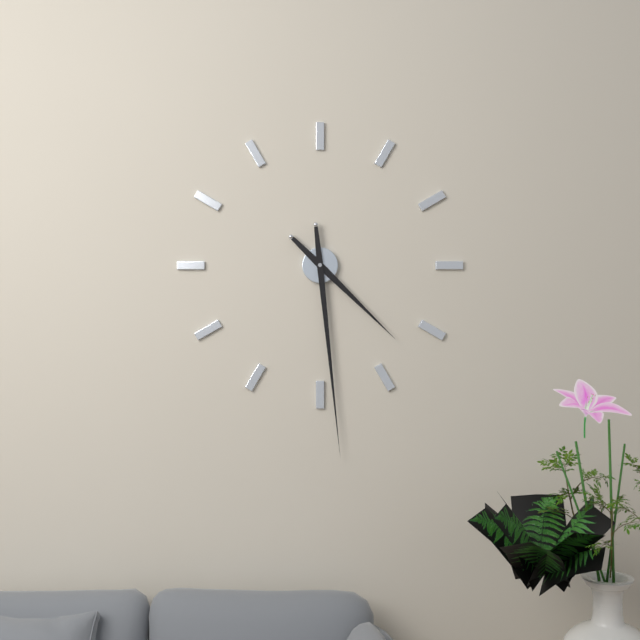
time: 4:29
